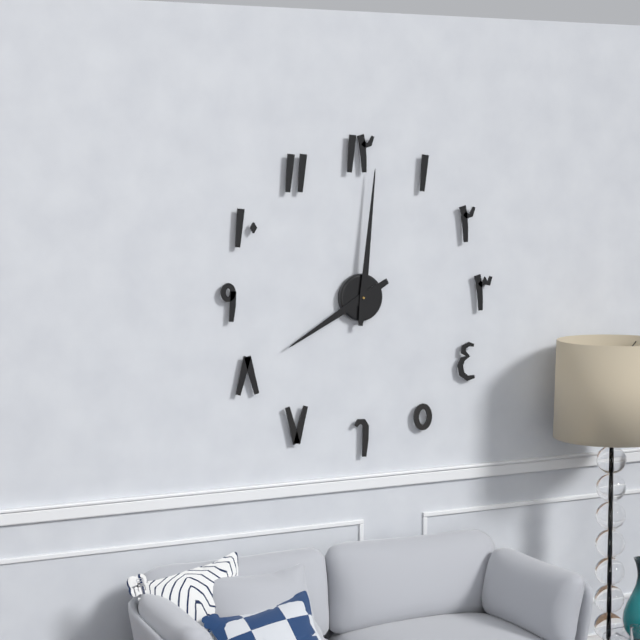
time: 8:01
